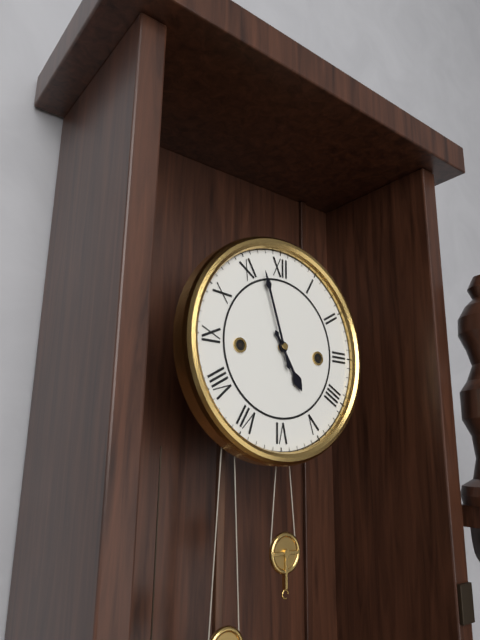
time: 4:57
